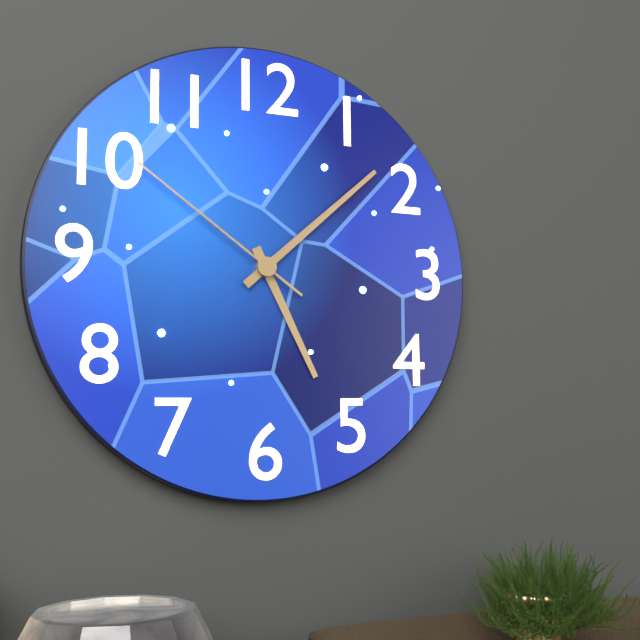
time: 5:08:51
